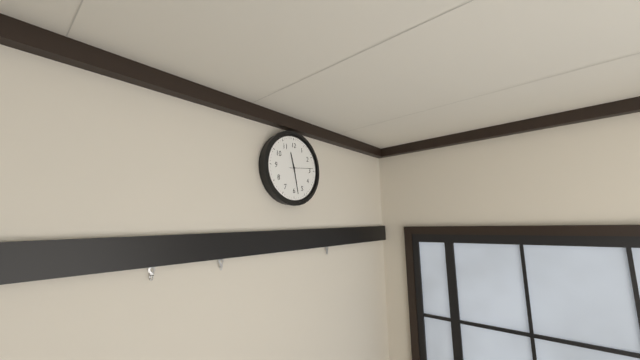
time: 11:28
